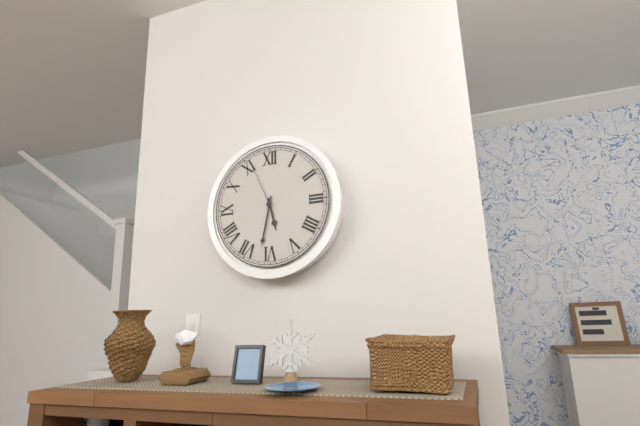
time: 5:32:56
